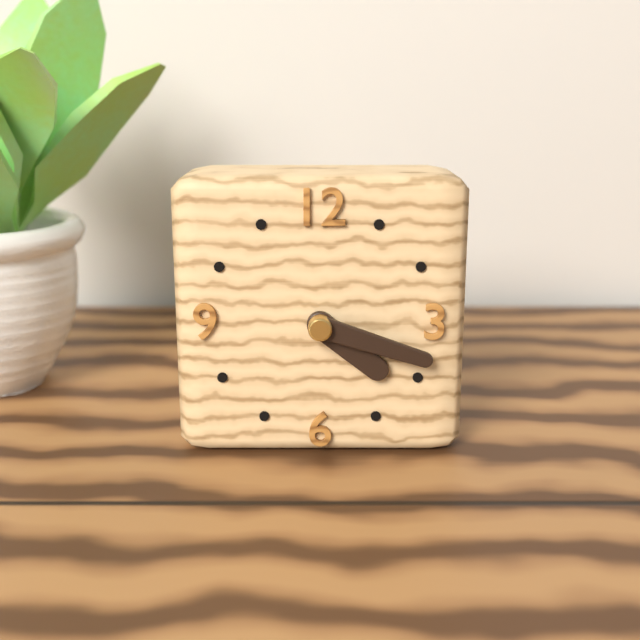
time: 4:18
